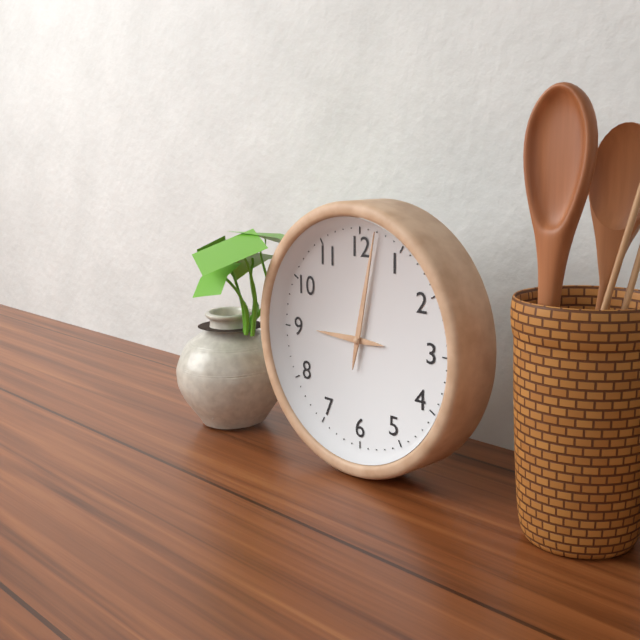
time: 9:02
